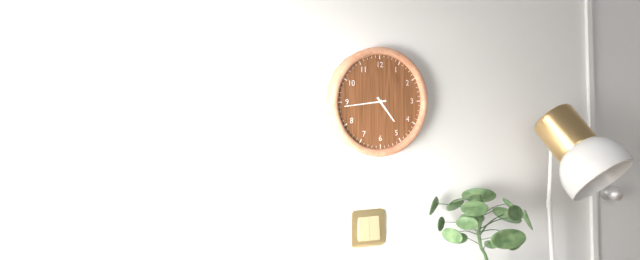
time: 4:44
